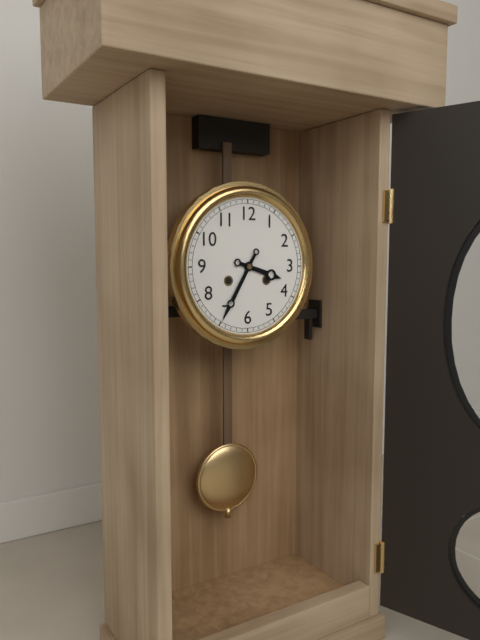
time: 3:35
